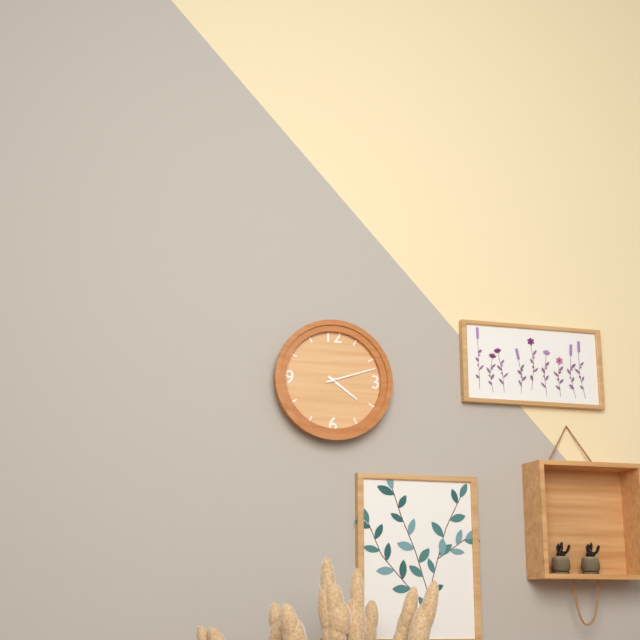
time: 4:12
